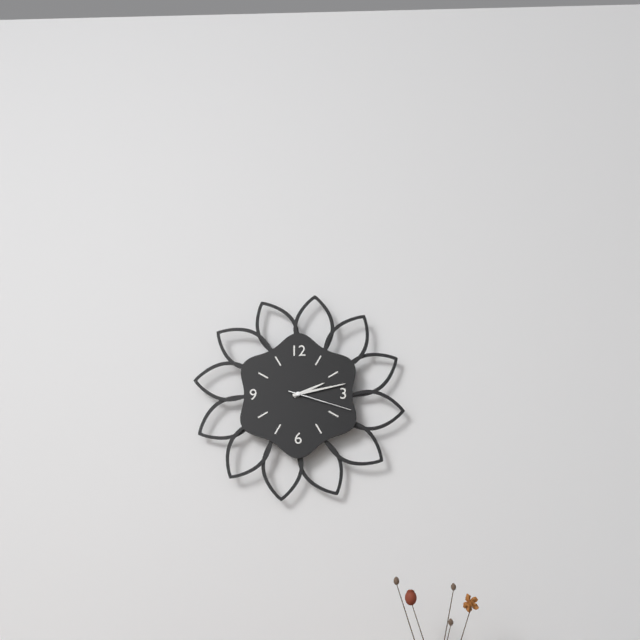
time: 2:13:18
